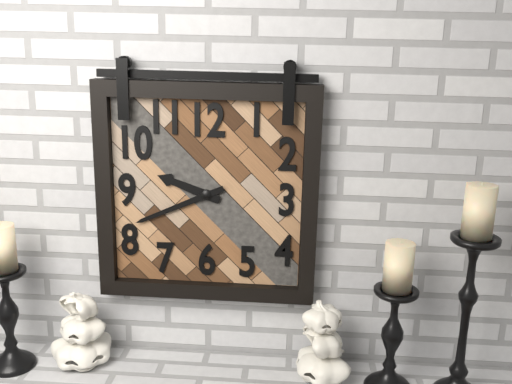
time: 9:41
